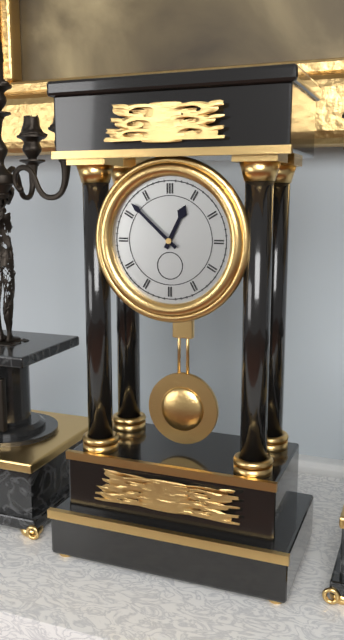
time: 12:52
